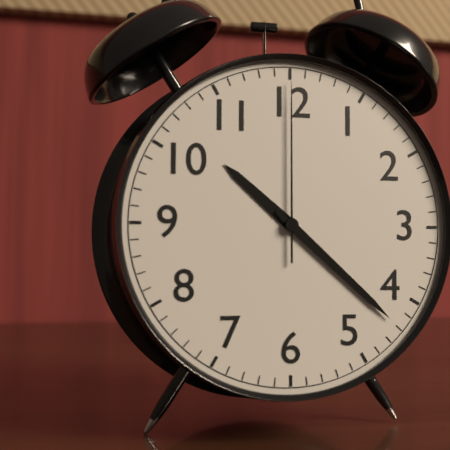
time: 10:22:00
